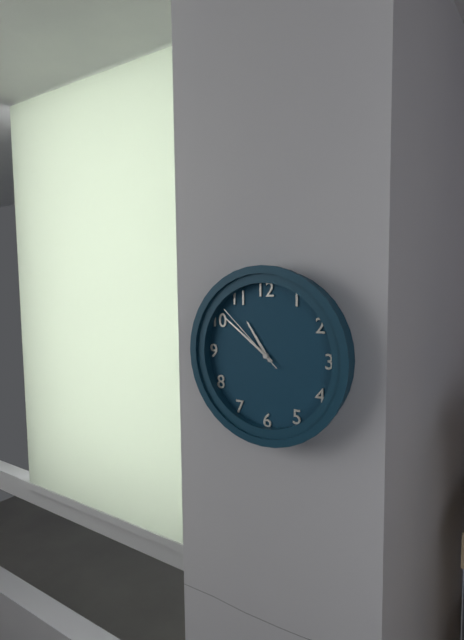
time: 10:51:52
